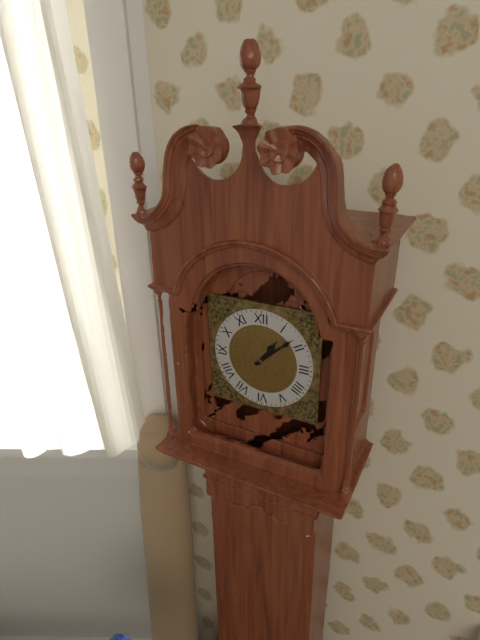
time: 1:08
